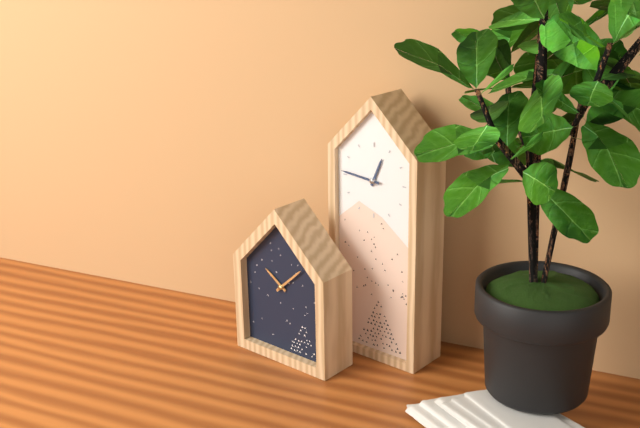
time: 12:46
